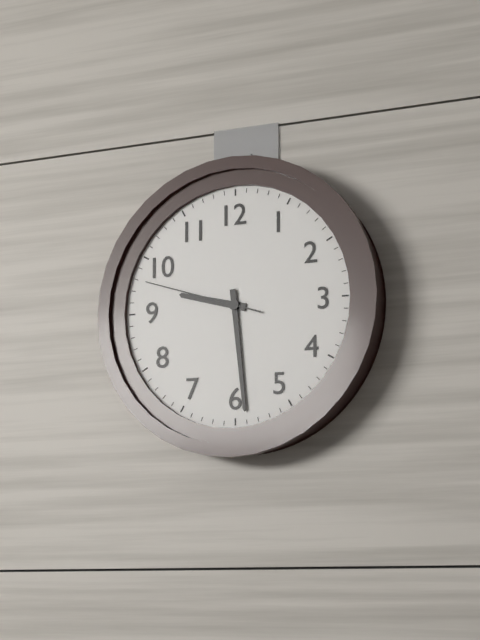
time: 9:29:48
